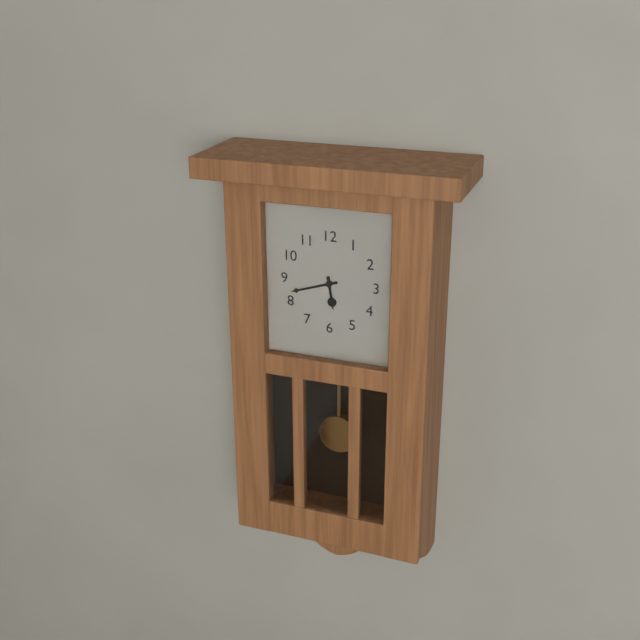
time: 5:42
